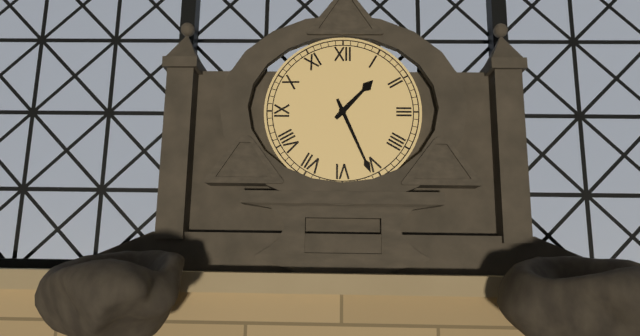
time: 1:26
